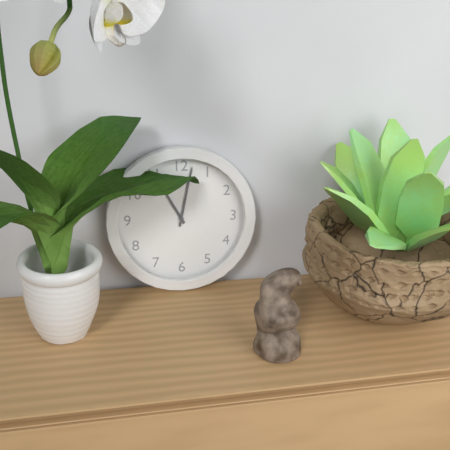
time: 11:02
